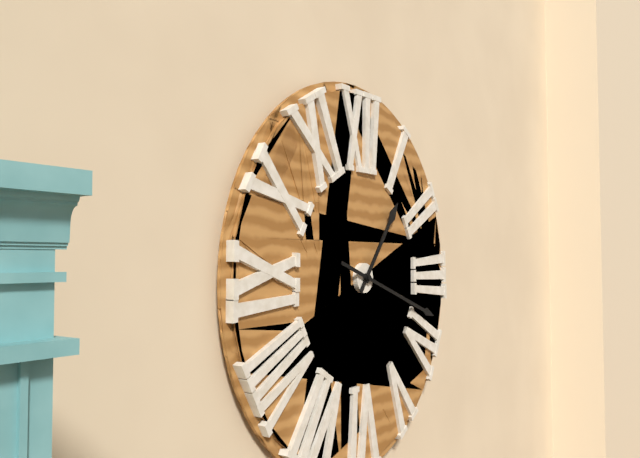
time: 1:18
